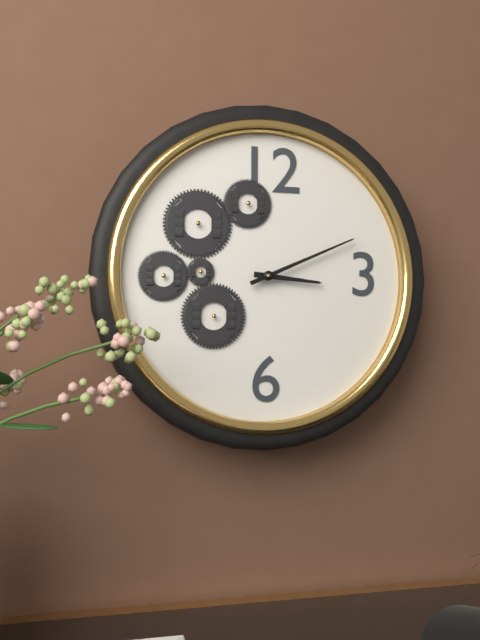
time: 3:11
